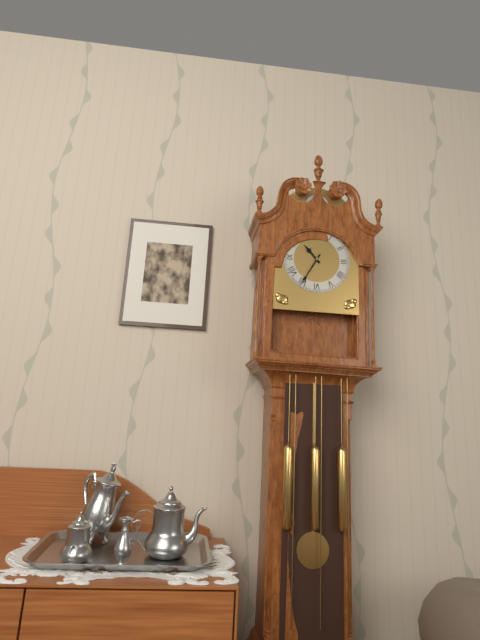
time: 10:35
